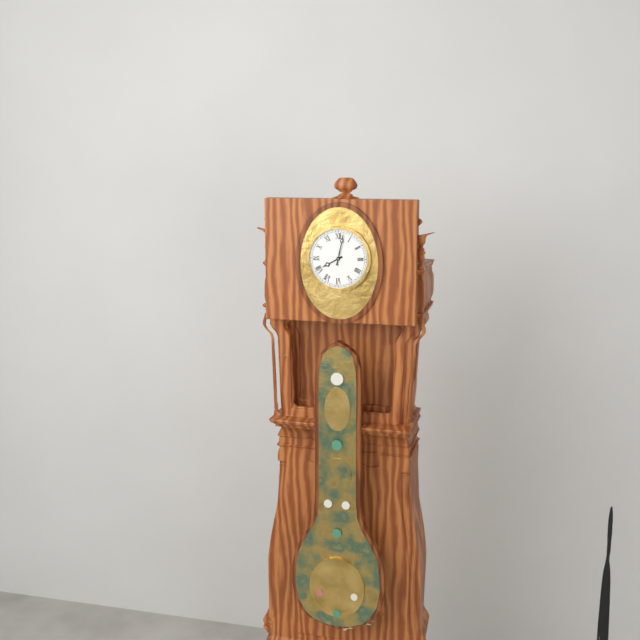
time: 8:02
